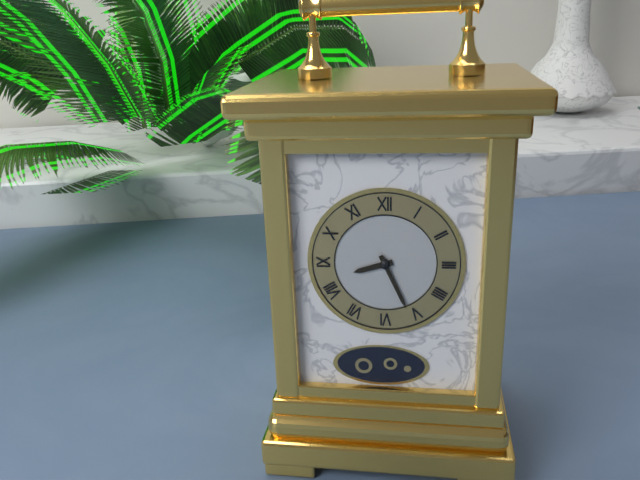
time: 8:26
